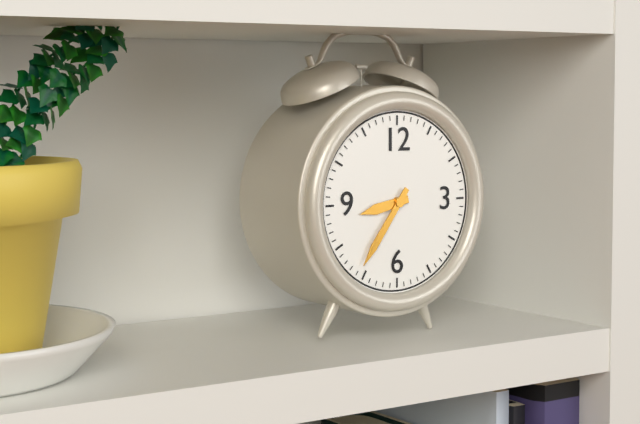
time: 8:36
